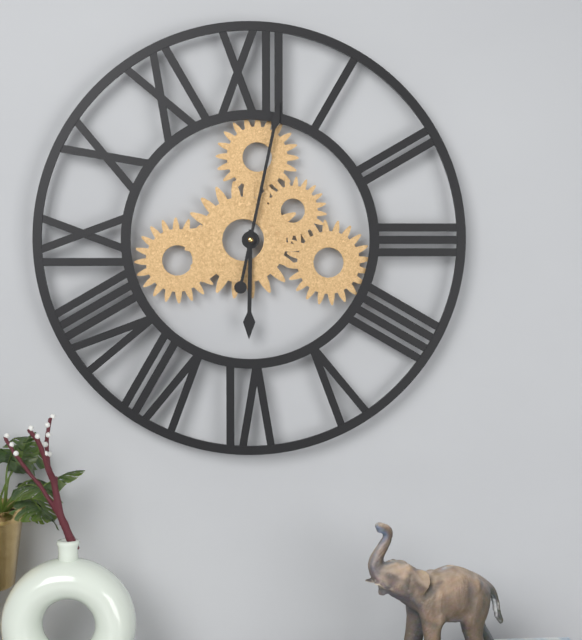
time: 6:02
